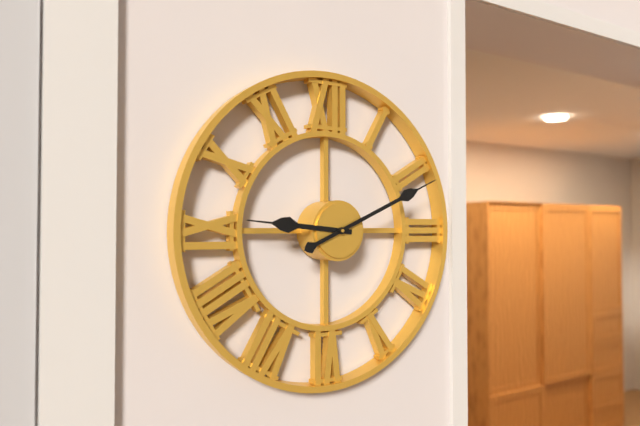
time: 9:11
